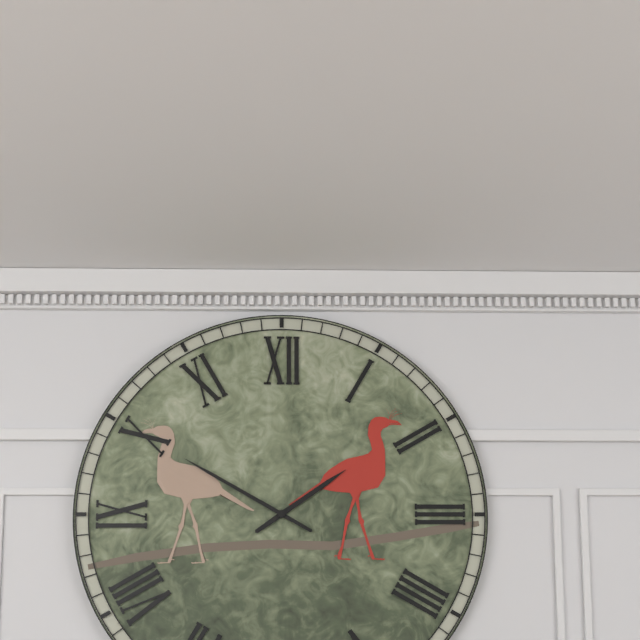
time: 1:50
